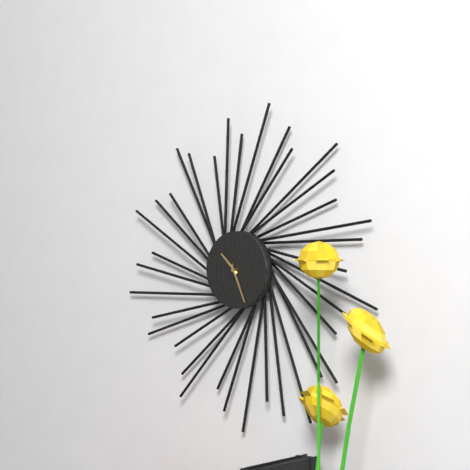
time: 10:26
